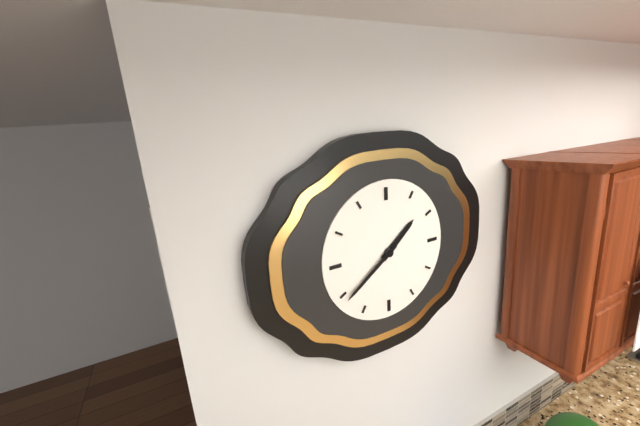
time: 1:39
